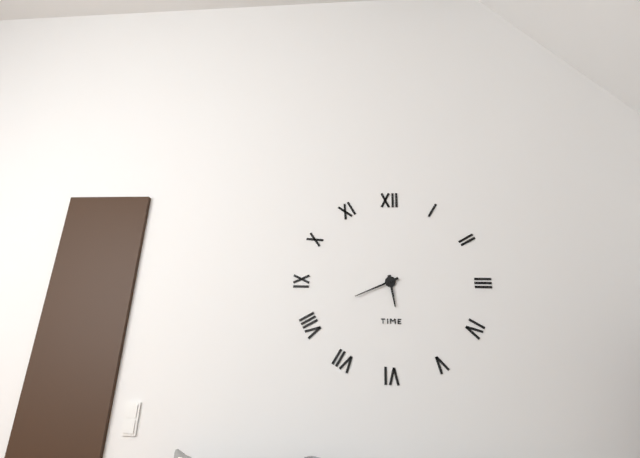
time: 5:41
